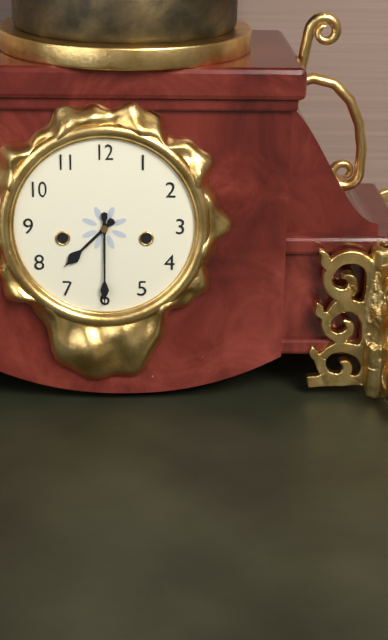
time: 7:30
